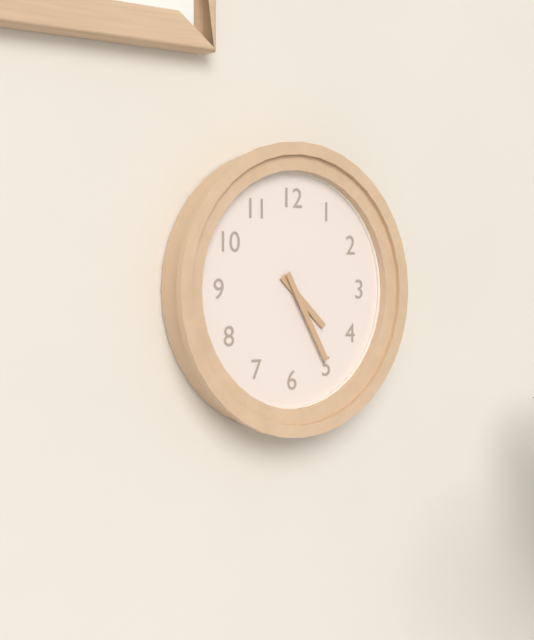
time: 4:25
